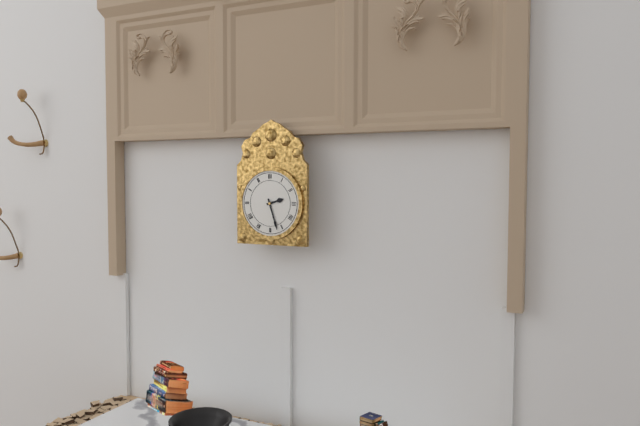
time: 2:27
